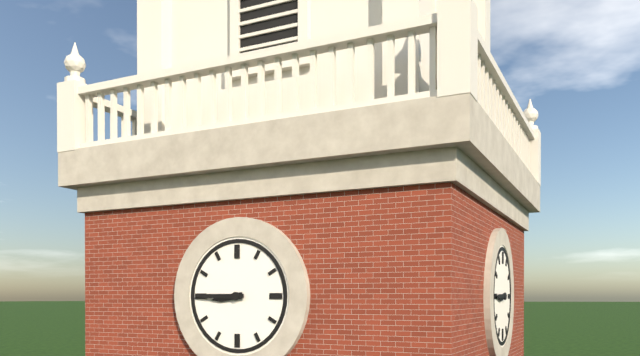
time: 8:45
